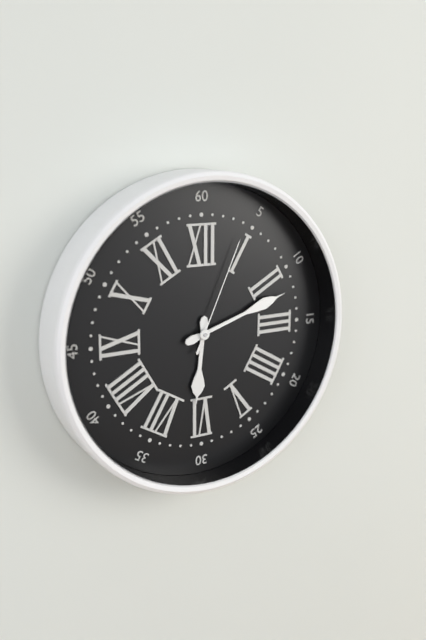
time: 6:12:04
